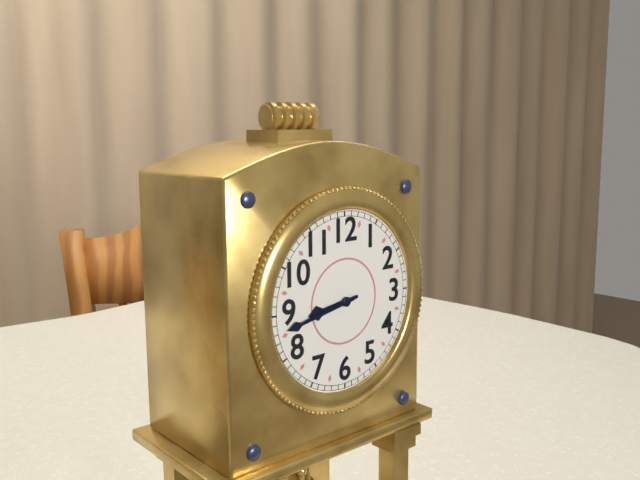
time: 8:43
